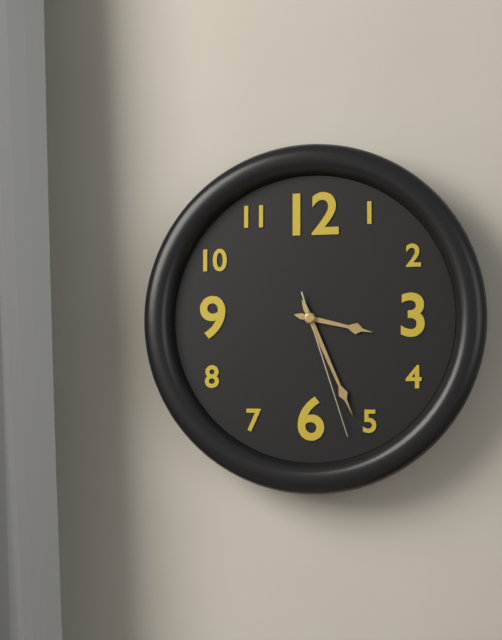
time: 3:26:27
